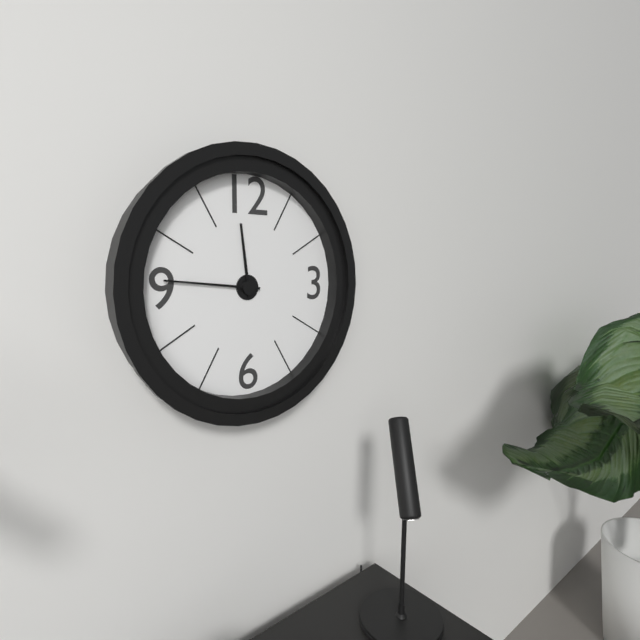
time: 11:46
